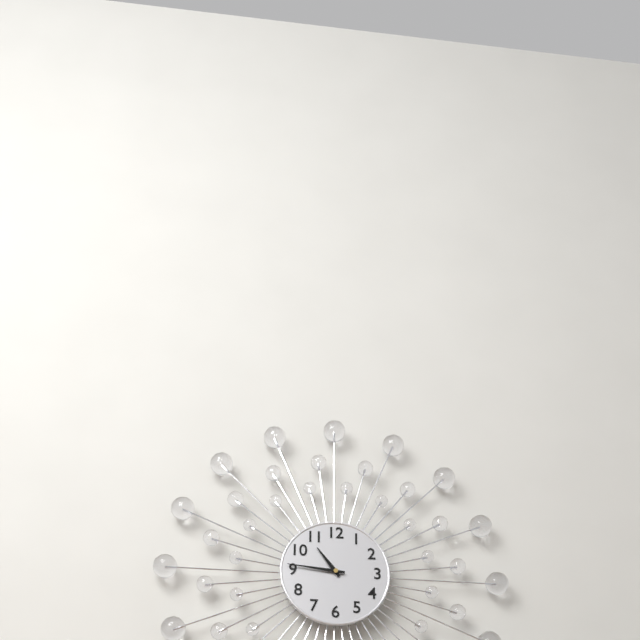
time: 10:46
